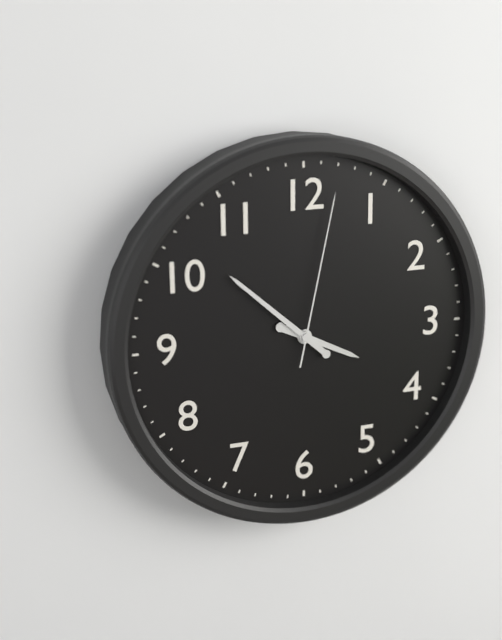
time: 3:52:02
